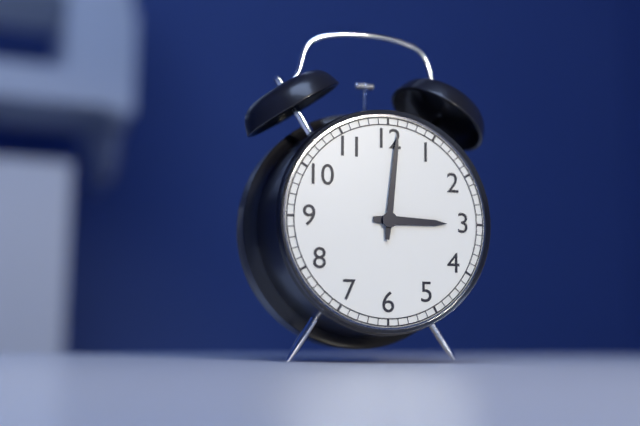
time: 3:01
